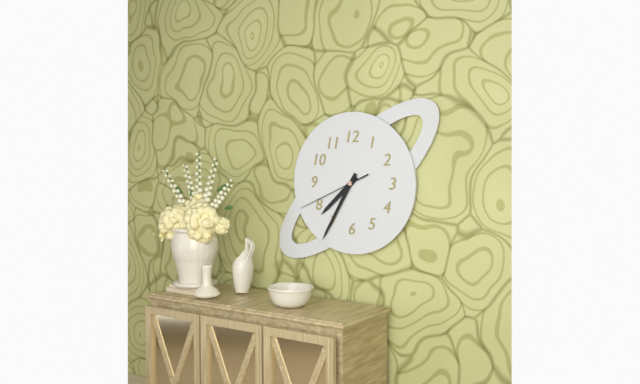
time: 7:35:41
